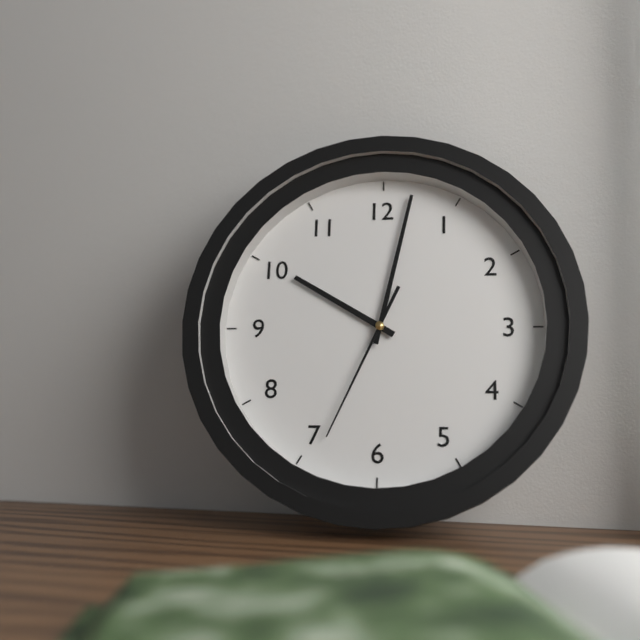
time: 10:02:34
